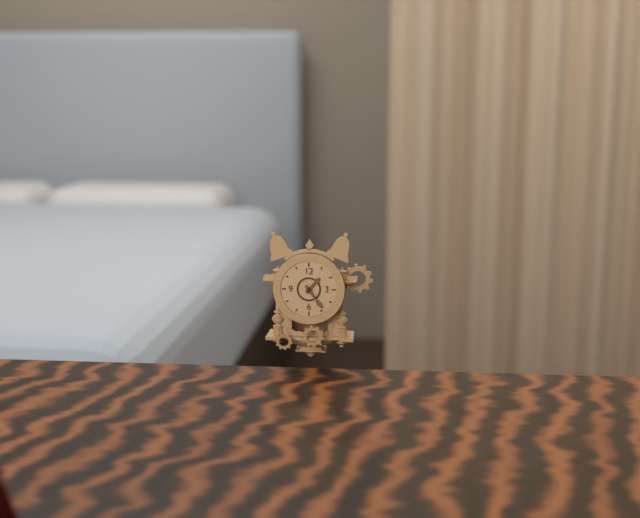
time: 1:24
